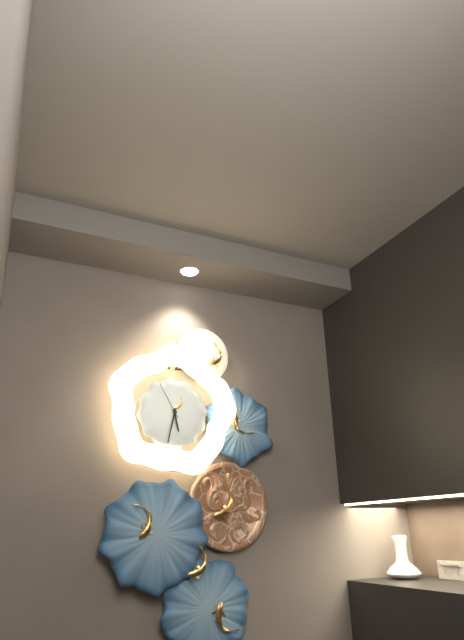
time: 5:32
